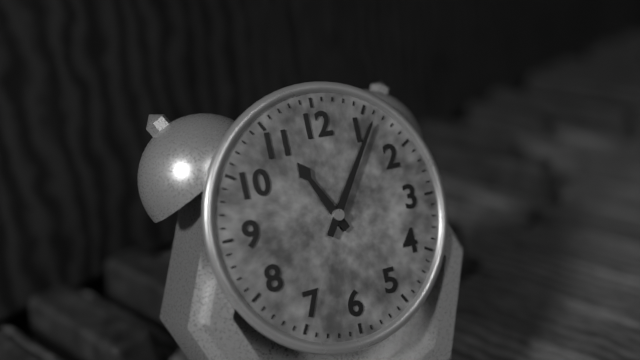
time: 11:06
